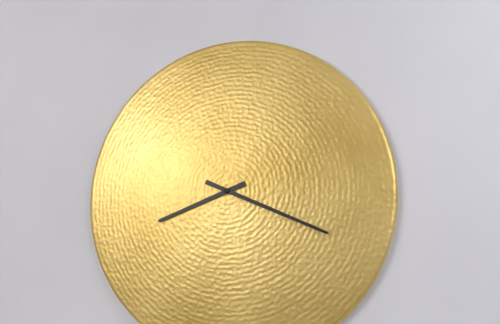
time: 8:19
